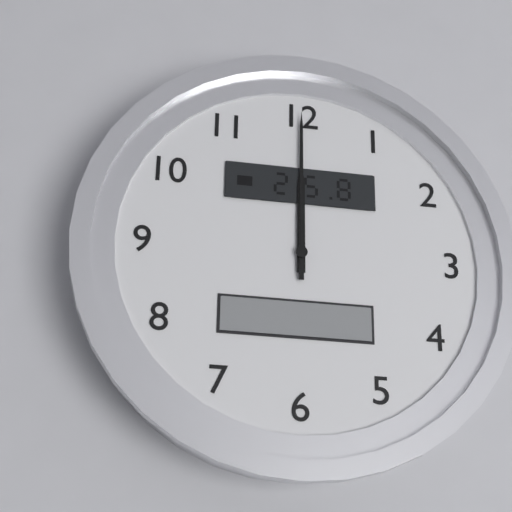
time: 12:00
